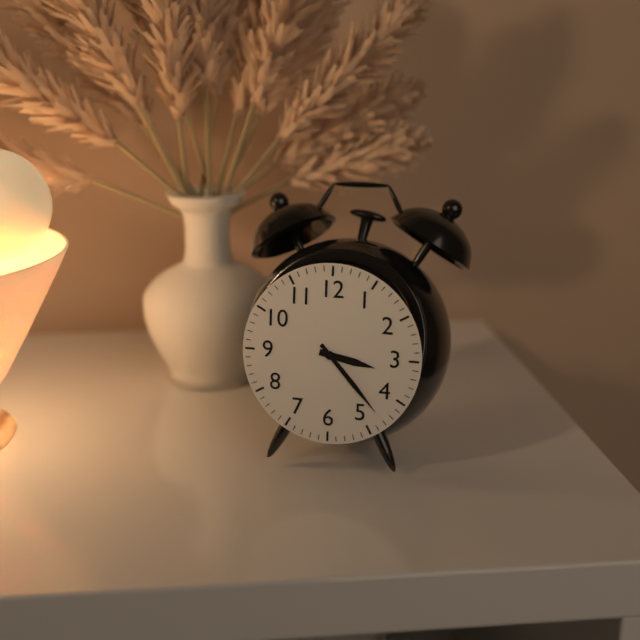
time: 3:23
